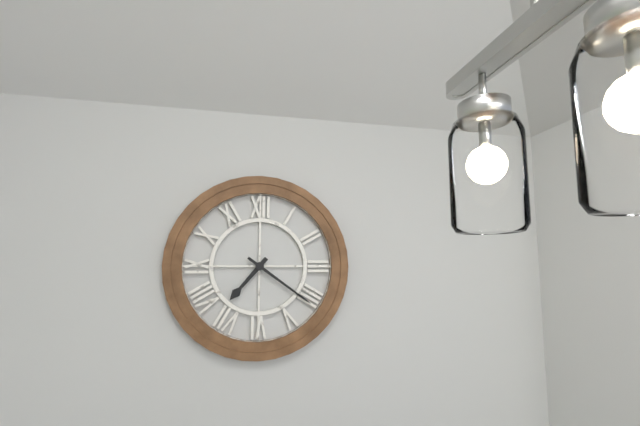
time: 7:21
